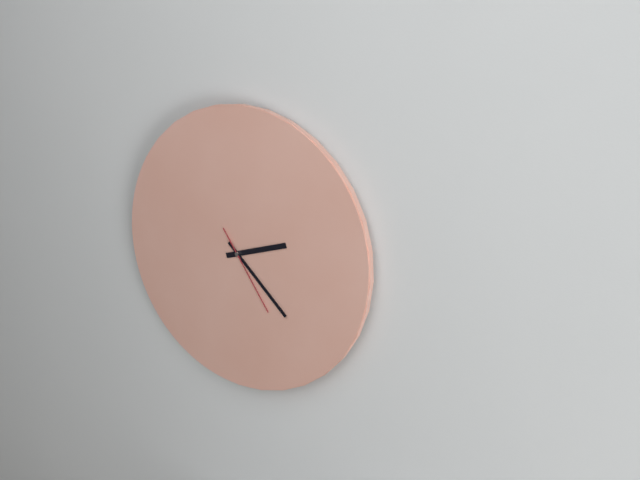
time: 2:22:24
